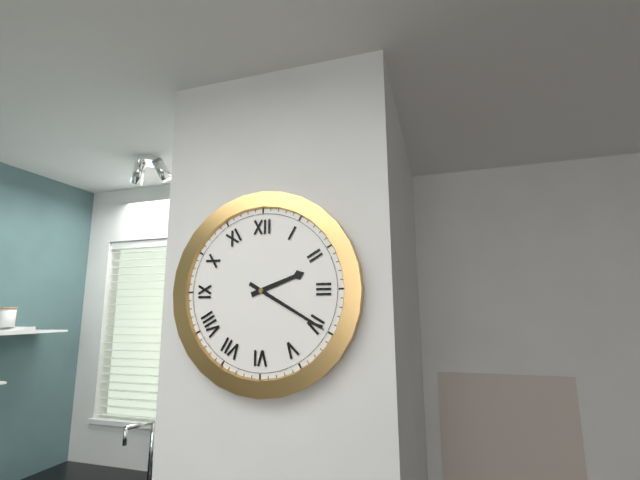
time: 2:20
